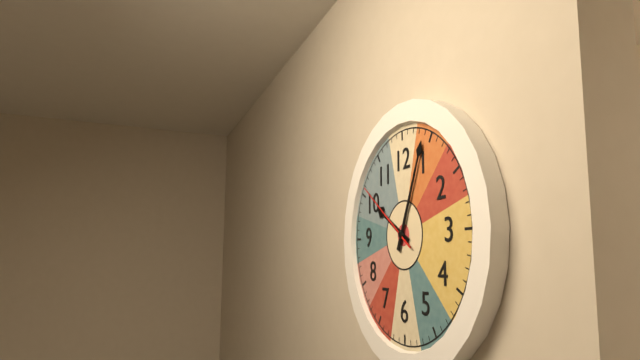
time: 10:04:51
